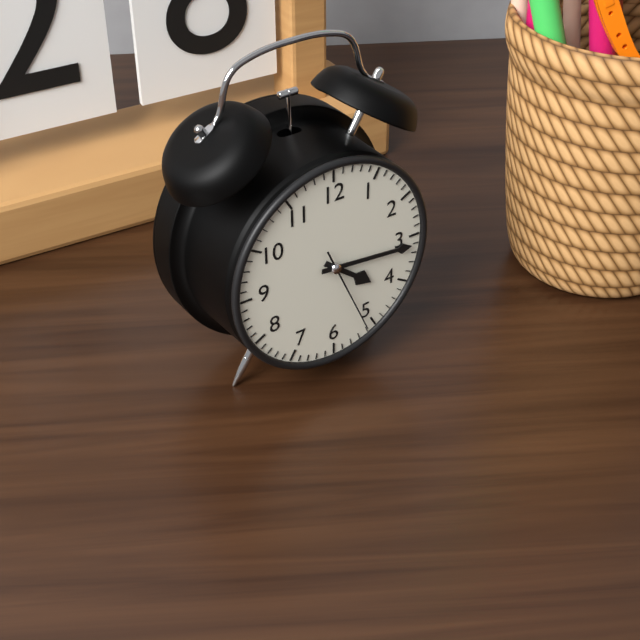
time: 4:16:26
